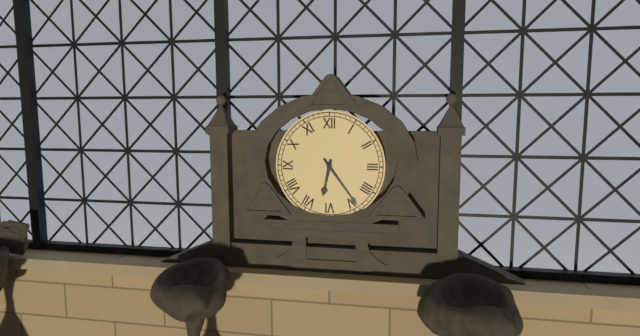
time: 6:24
